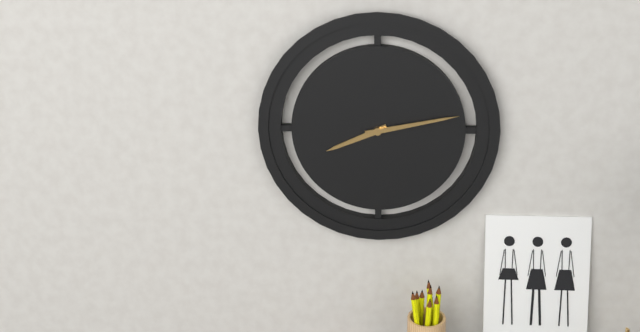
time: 8:13
